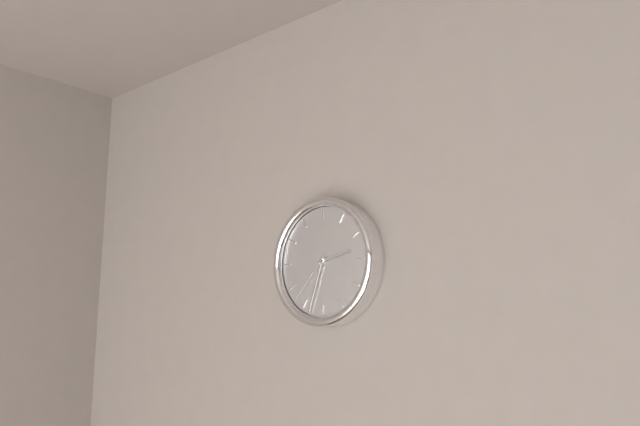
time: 2:33:37
